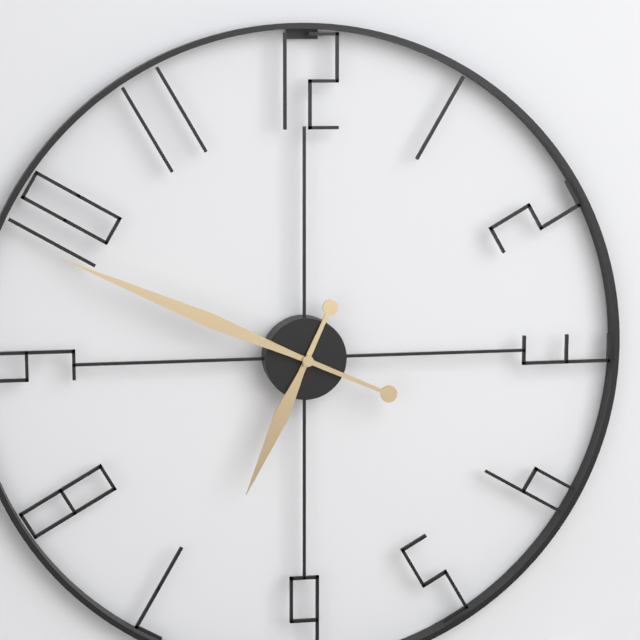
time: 6:49
